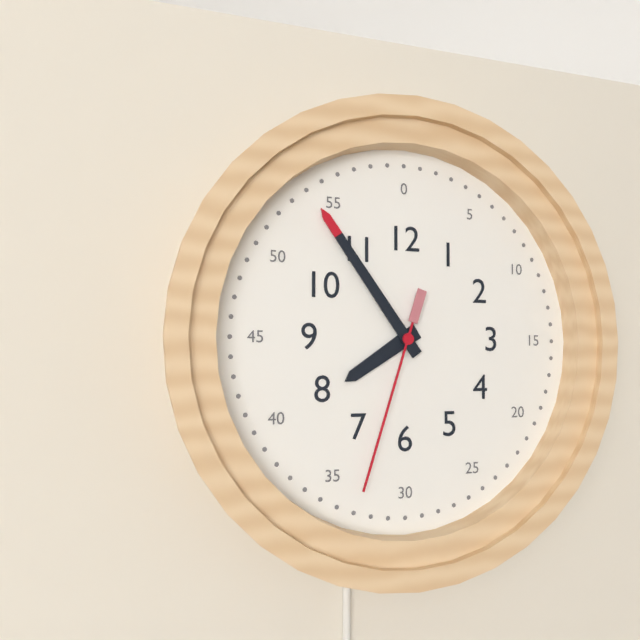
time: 7:54:33
